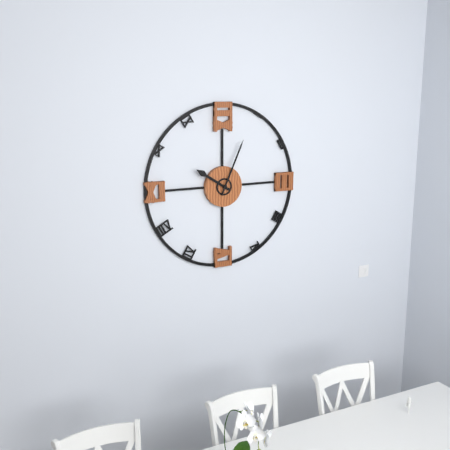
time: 10:04
